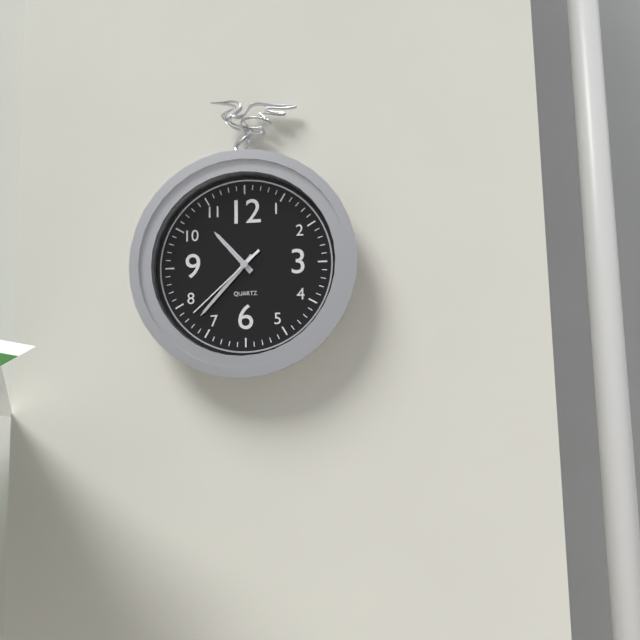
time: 10:37:38
